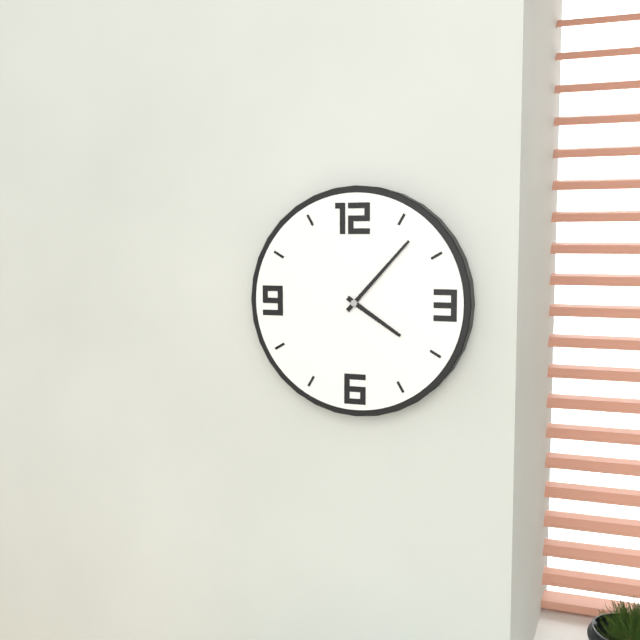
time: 4:07
